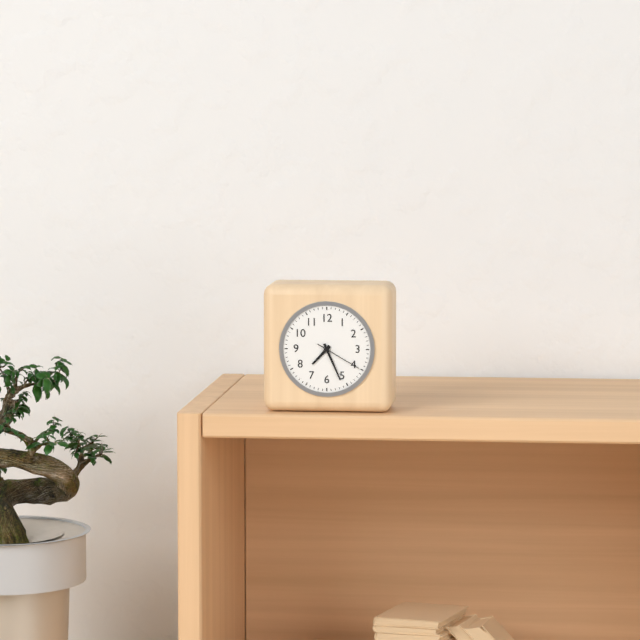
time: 7:26
